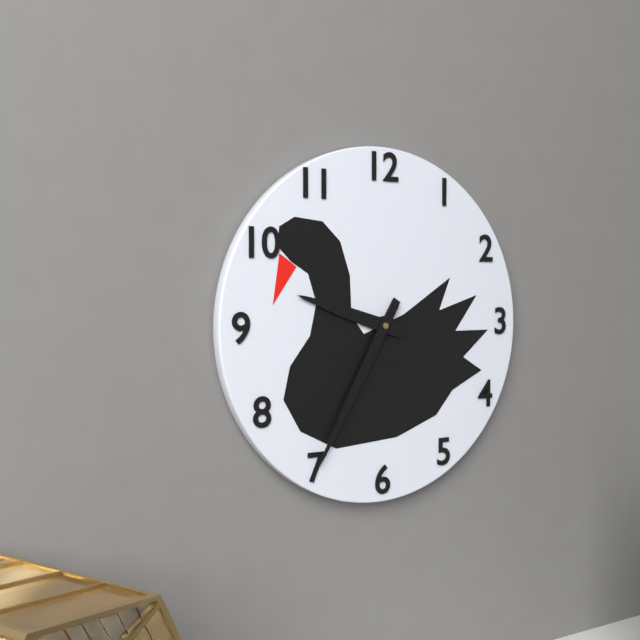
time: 9:35
